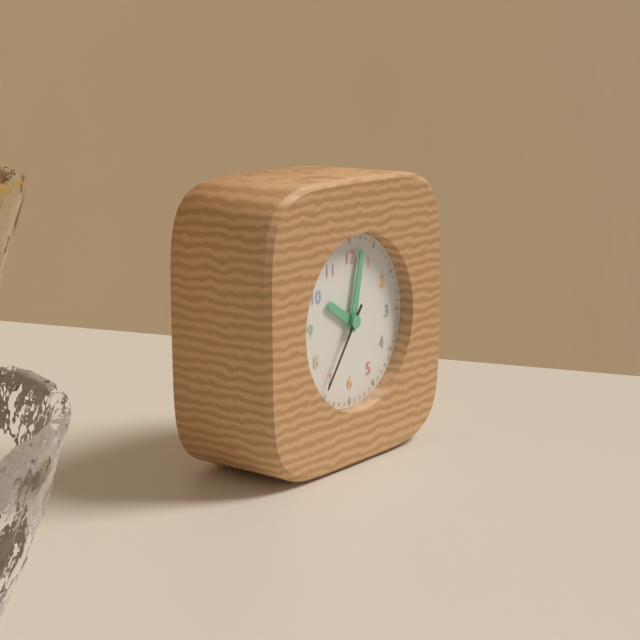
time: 10:02:36
